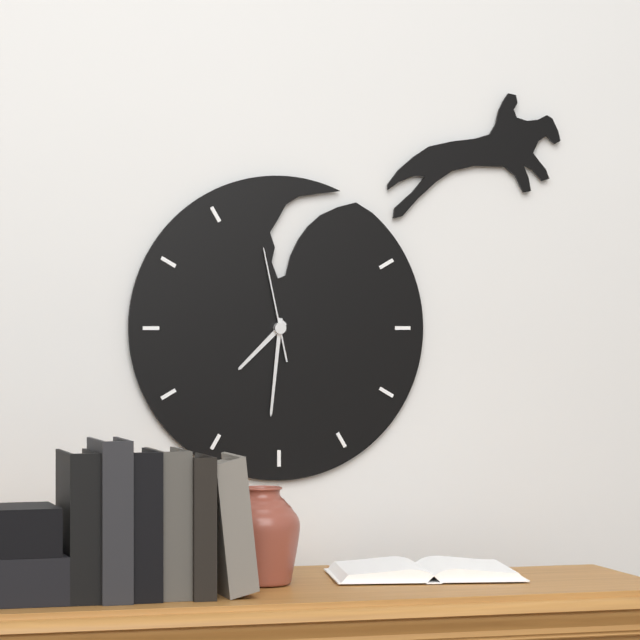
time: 7:31:58
